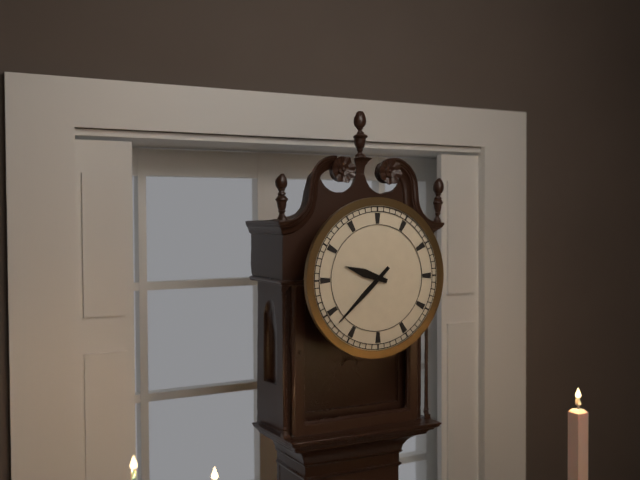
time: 9:38
